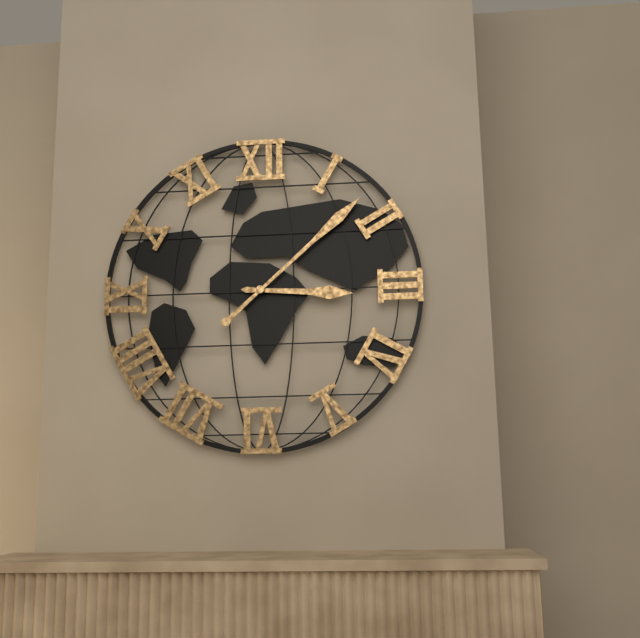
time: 3:08
